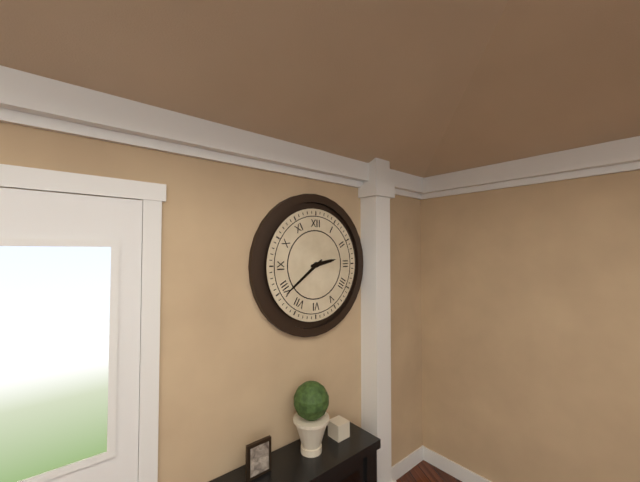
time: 2:39
